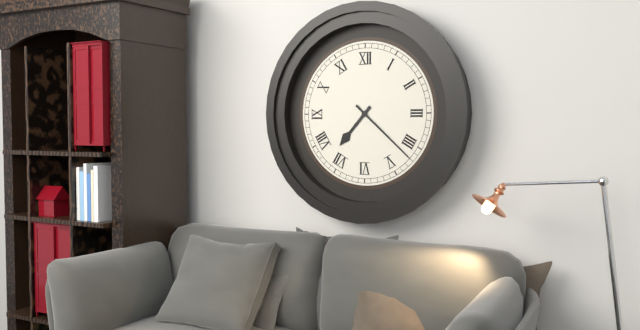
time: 7:22
